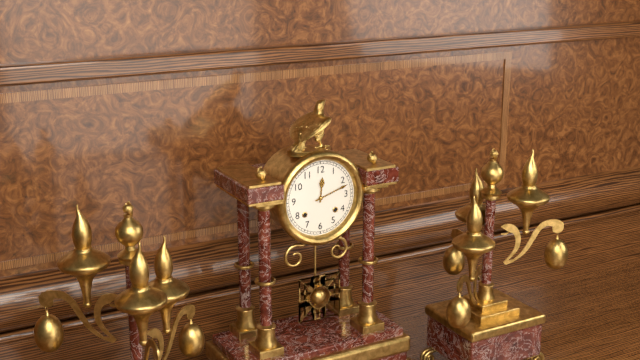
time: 12:12
